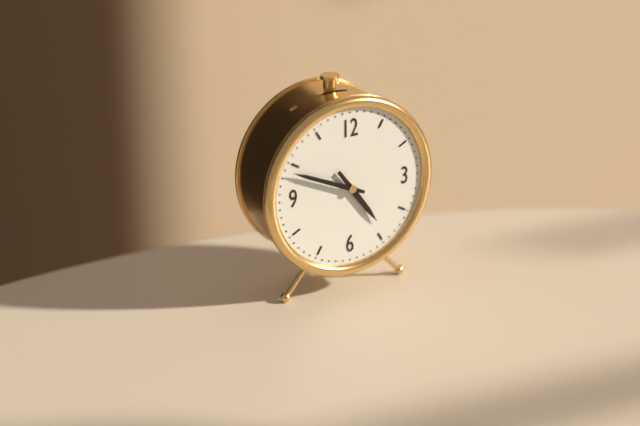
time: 4:49
